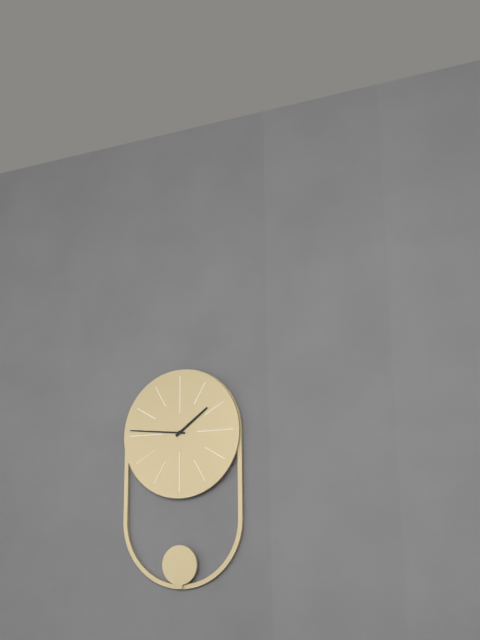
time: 1:46
